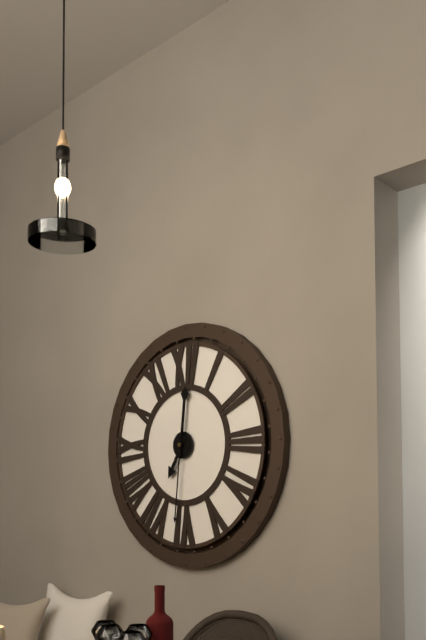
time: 7:01:31
